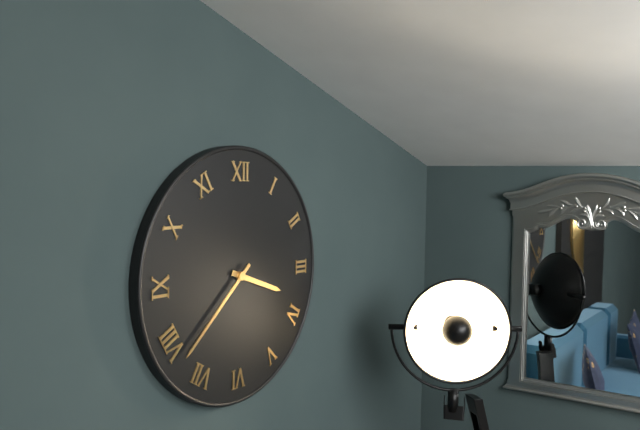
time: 3:38
